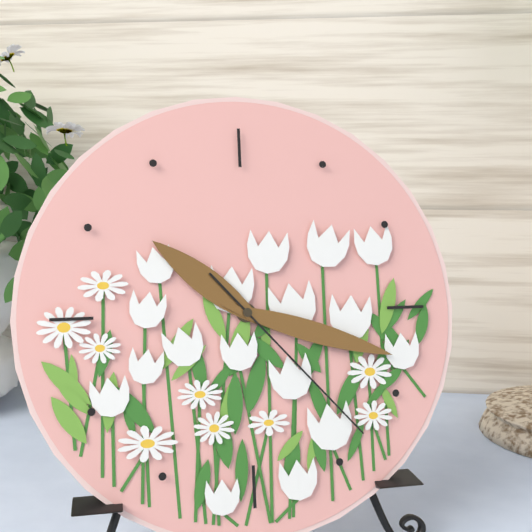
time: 10:18:23
